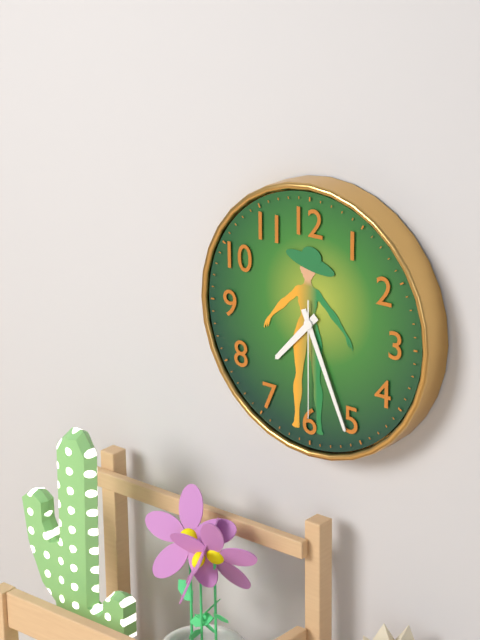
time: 7:26:30
